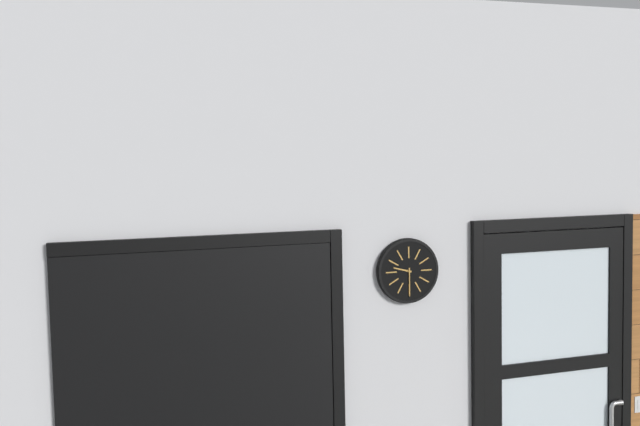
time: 9:30
